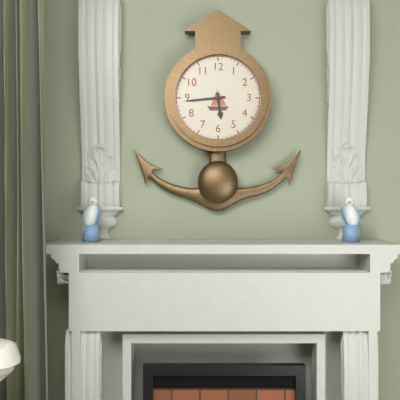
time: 5:44
